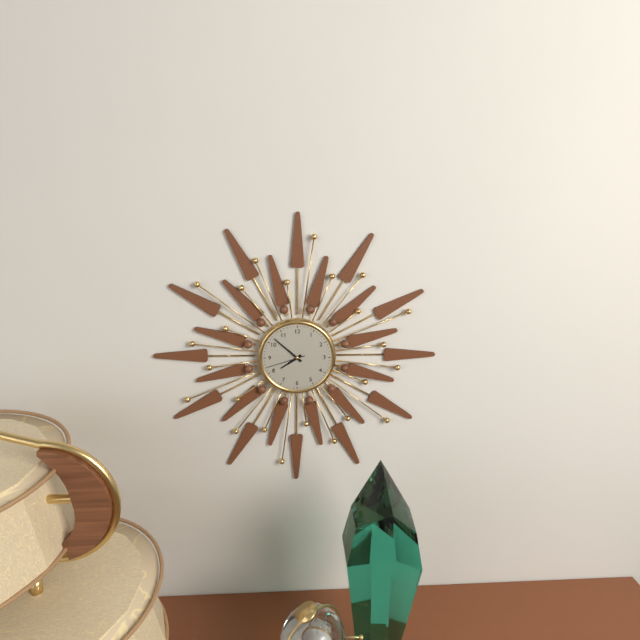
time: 7:52
